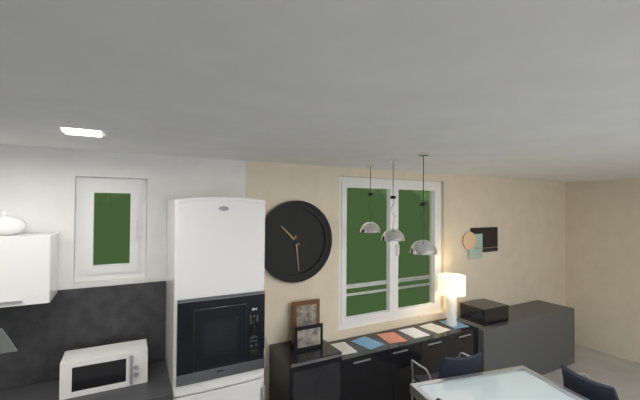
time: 10:29
